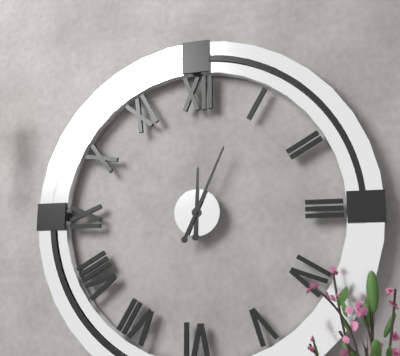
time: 12:04
